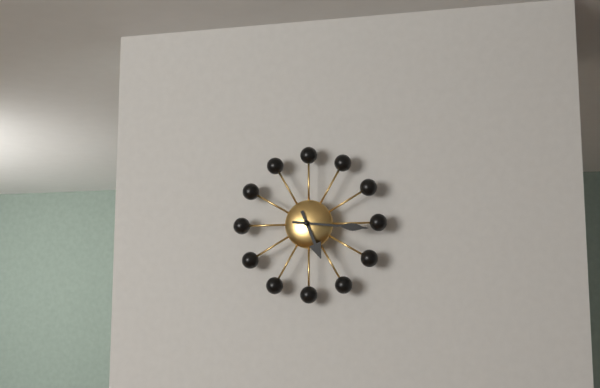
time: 5:16
